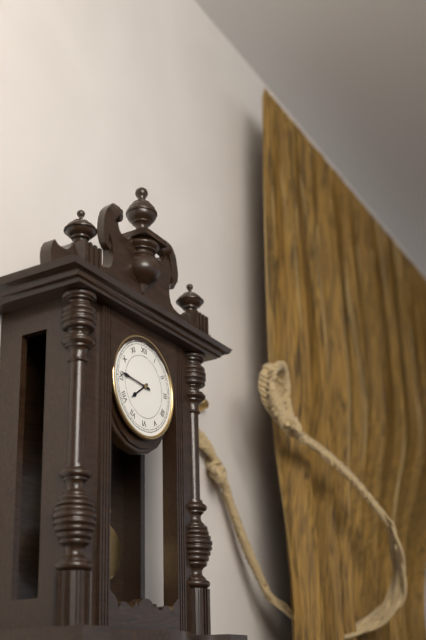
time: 7:46
